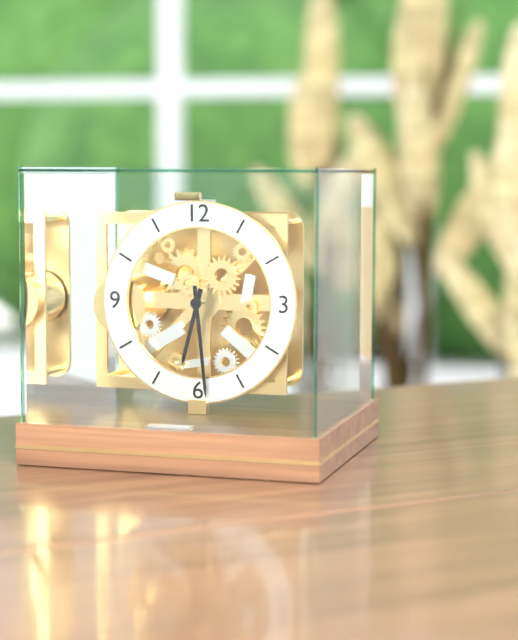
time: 6:29
